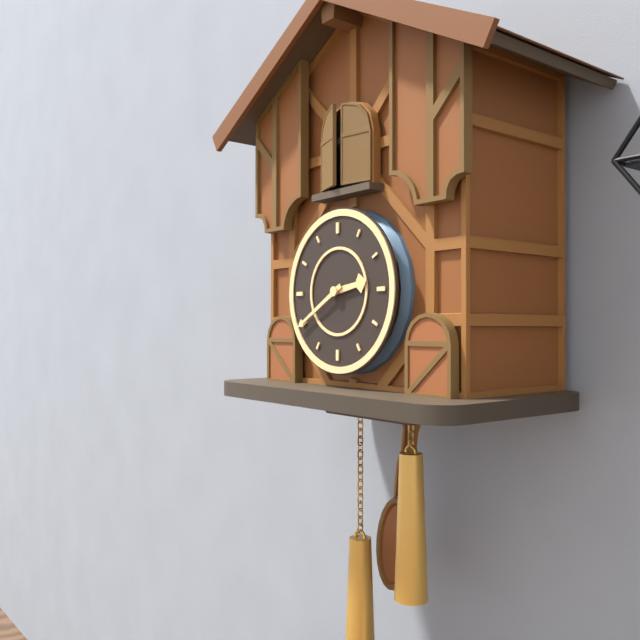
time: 2:40
